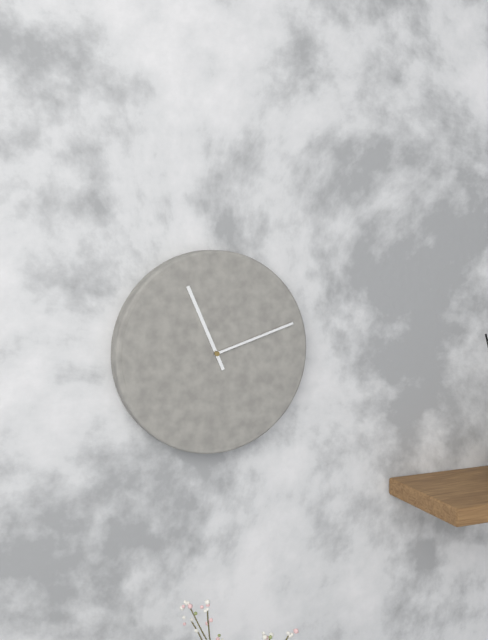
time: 11:12
